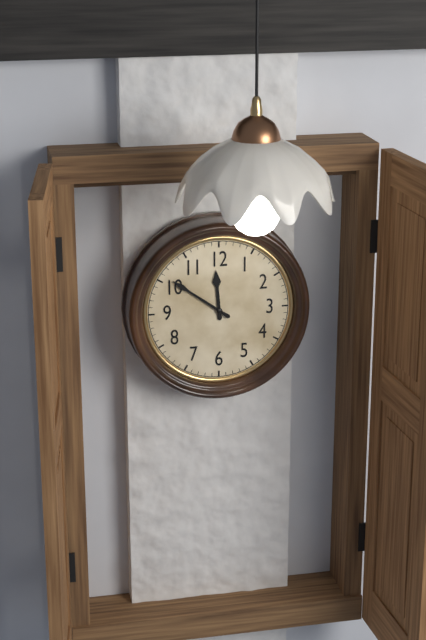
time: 11:51
